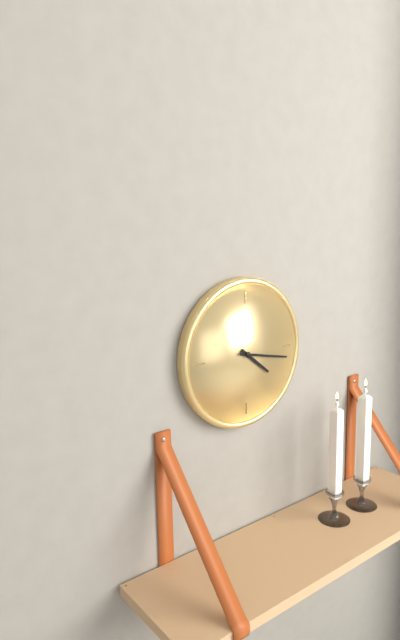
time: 4:17
